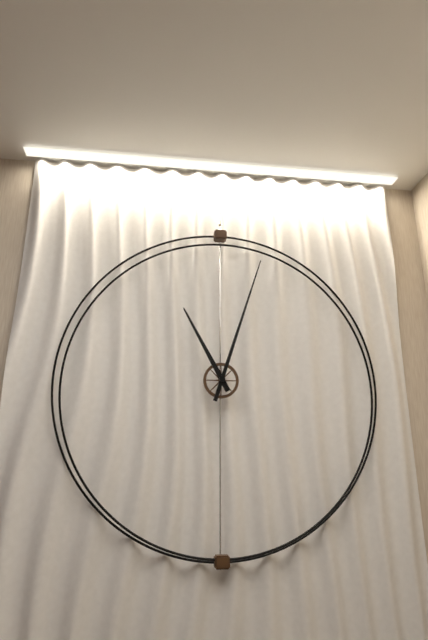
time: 11:03
